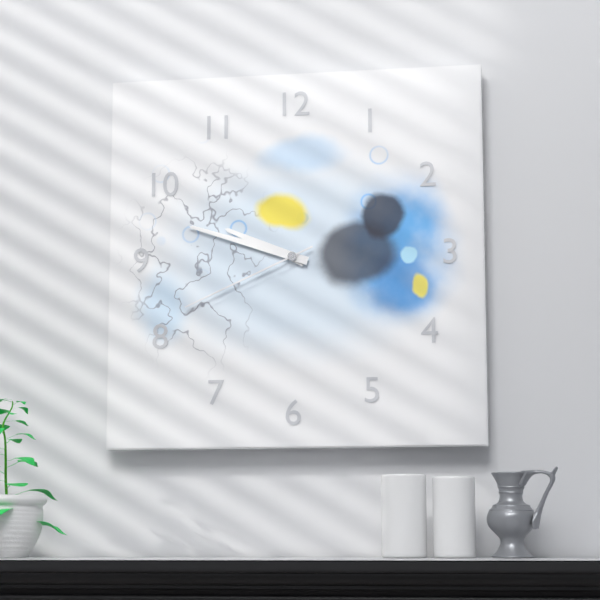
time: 9:48:41
